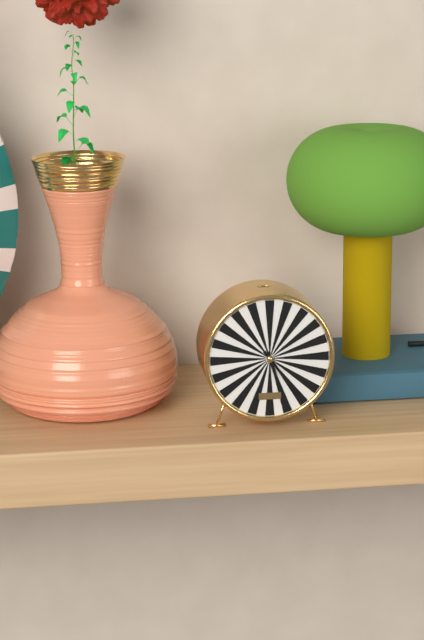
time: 5:24
